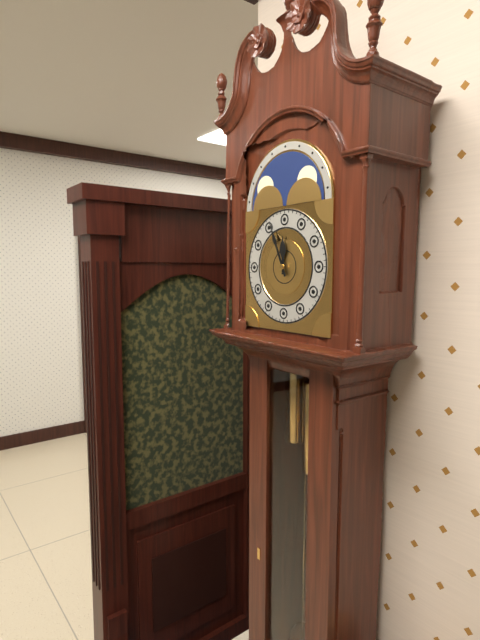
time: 11:56
